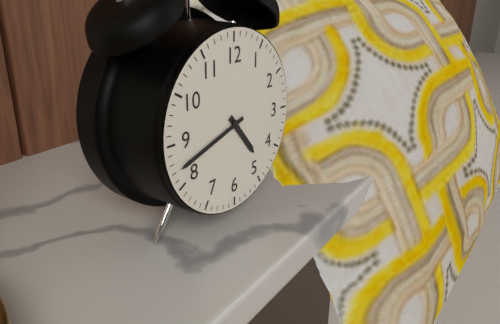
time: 4:42
